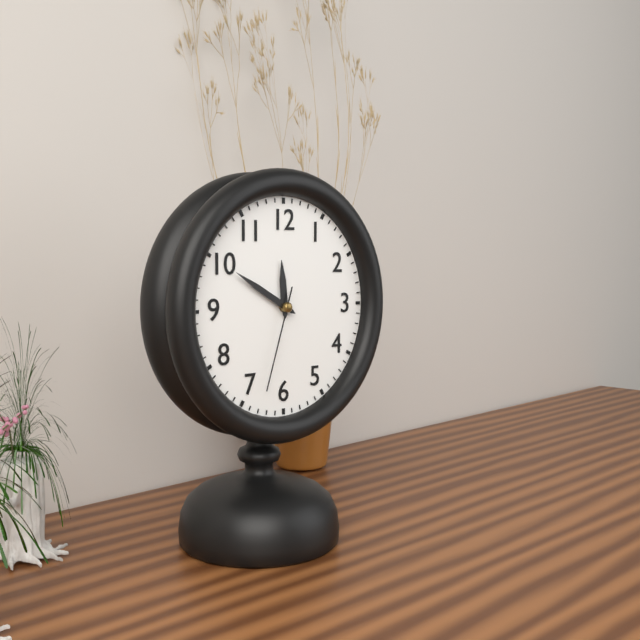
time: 11:50:33
